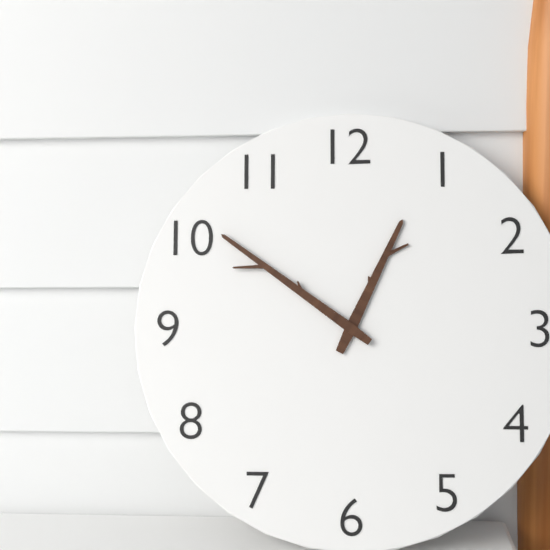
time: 12:51
